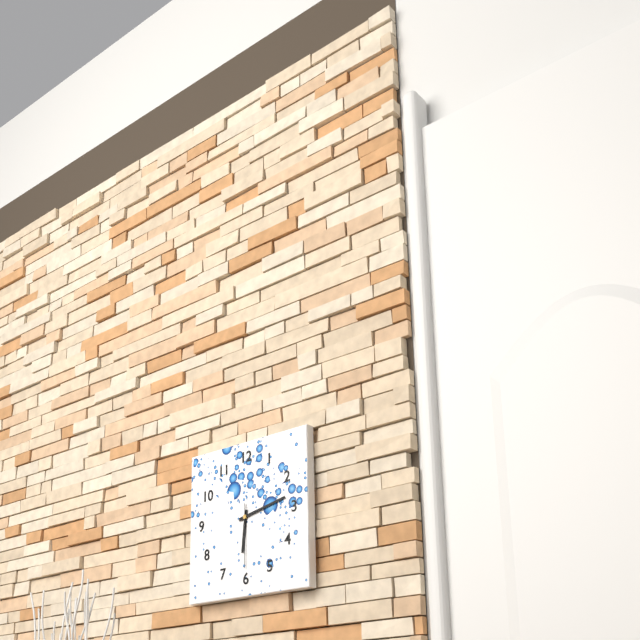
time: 6:13:30
